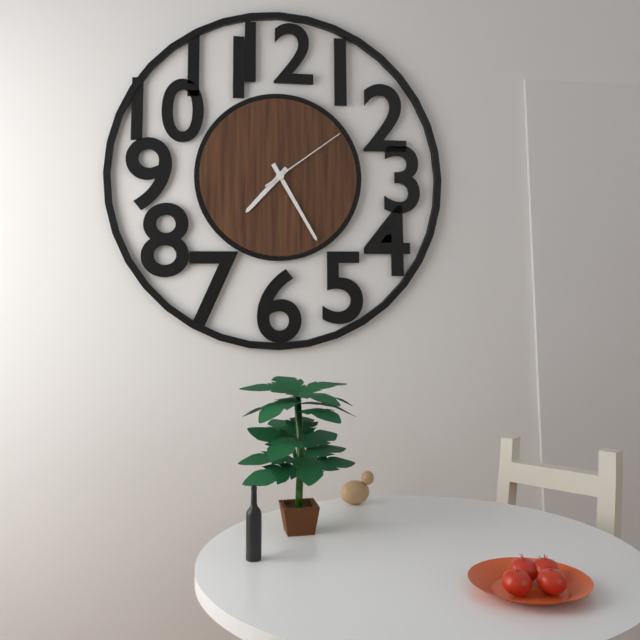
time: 7:25:09
